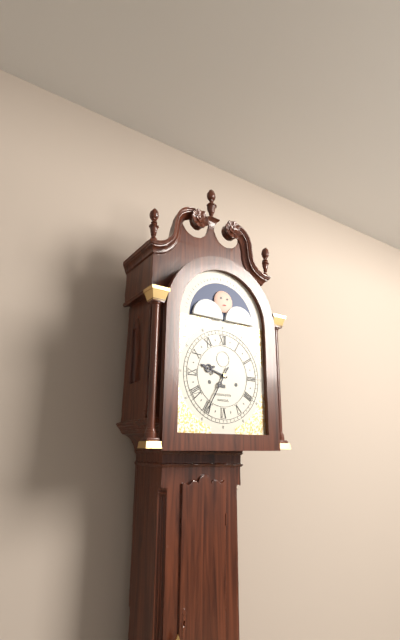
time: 9:35
